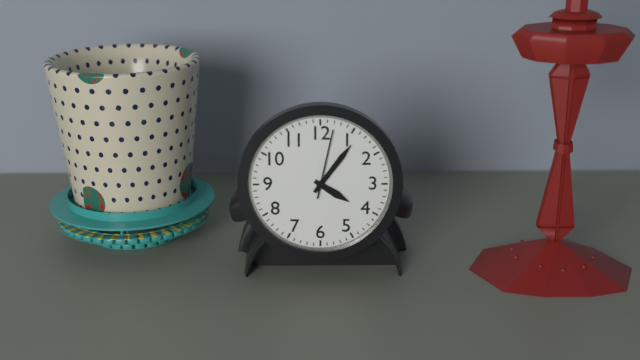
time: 4:06:02
